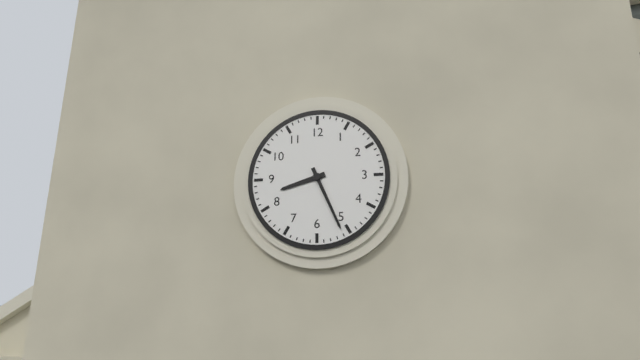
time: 8:26
